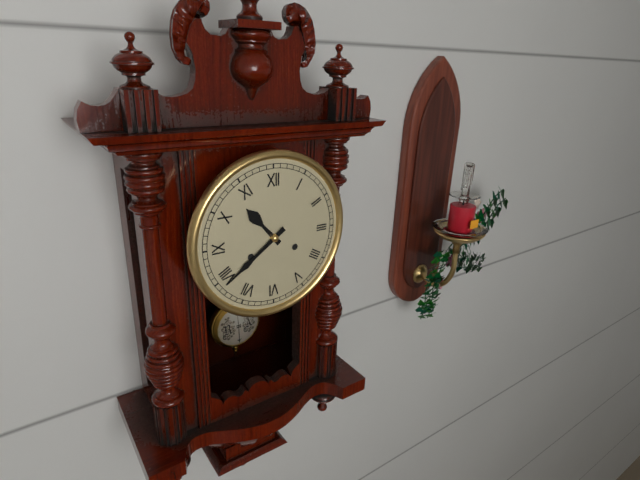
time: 10:39
